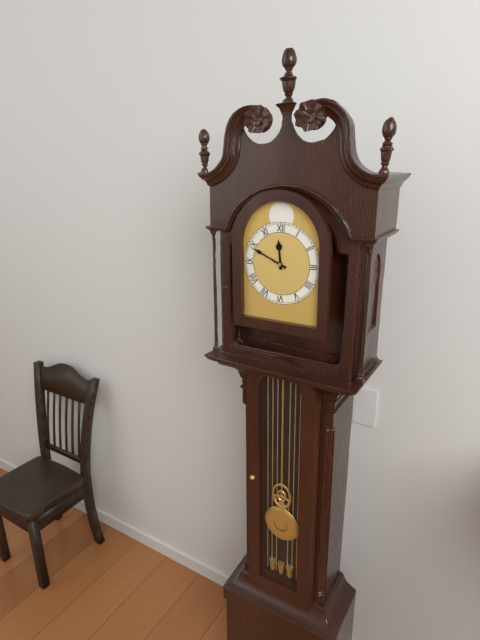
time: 11:49
